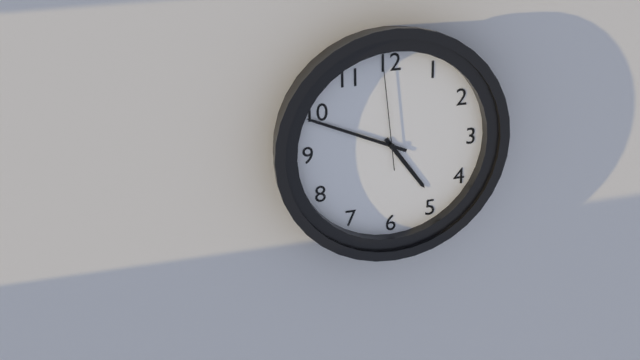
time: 4:49:59
